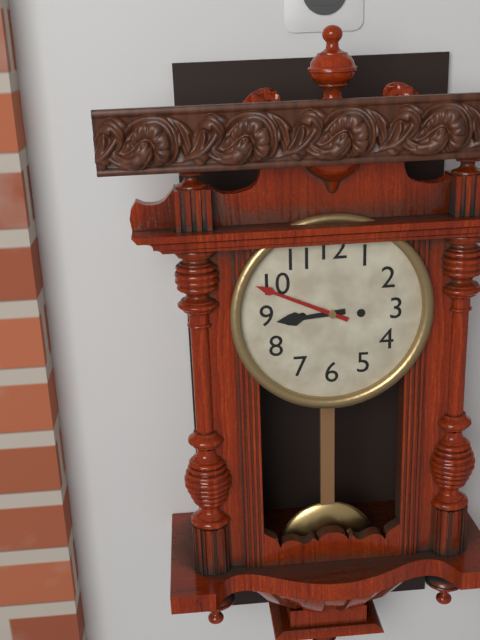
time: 8:49
